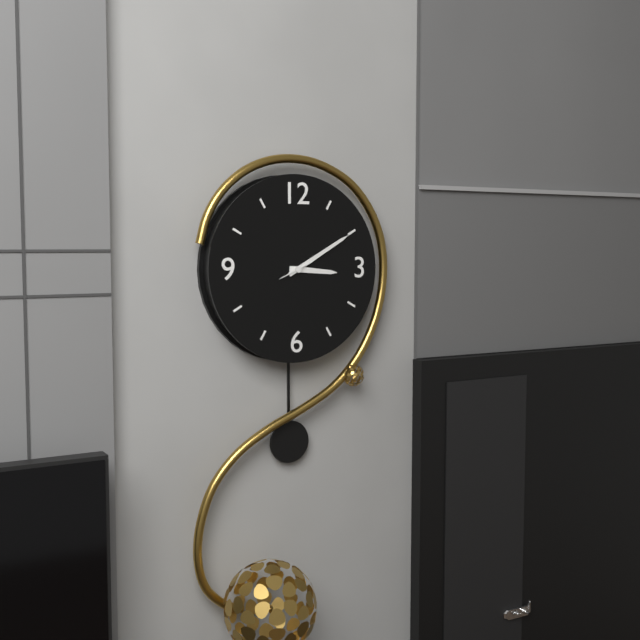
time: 3:10
